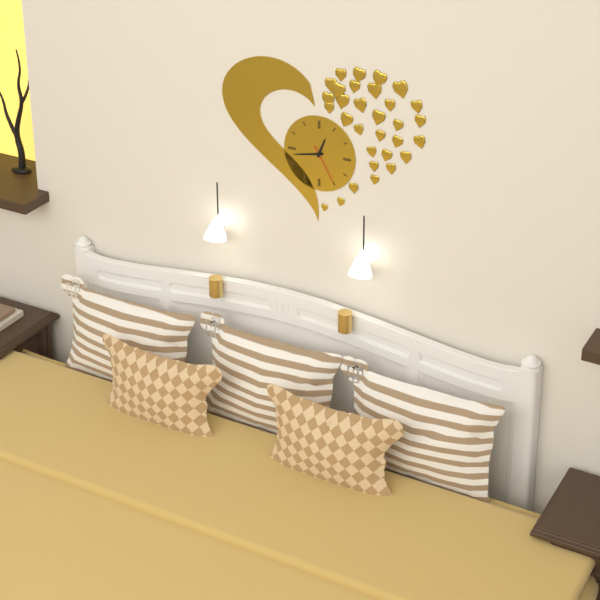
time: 12:43
